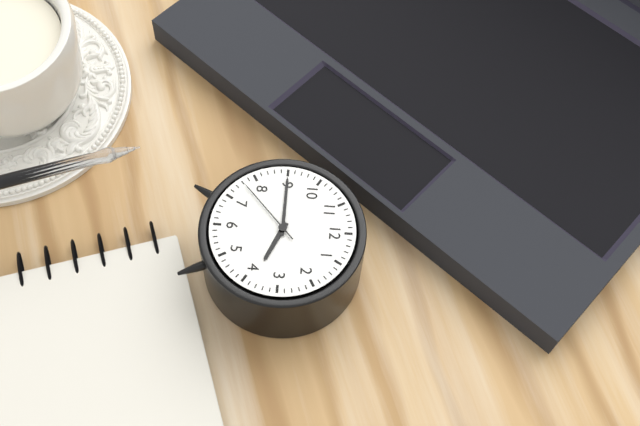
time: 3:45:38
